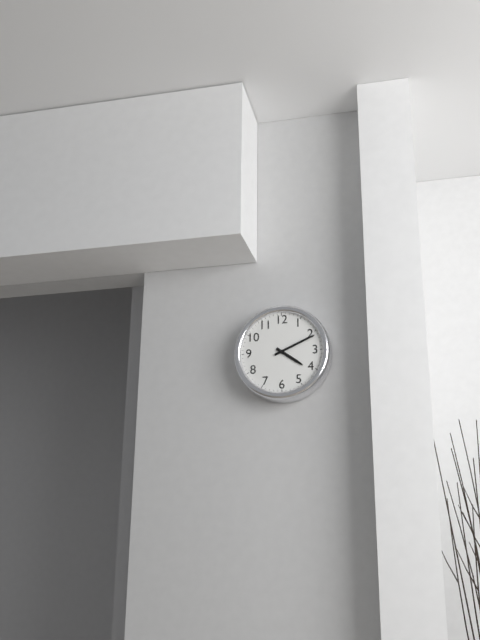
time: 4:11
